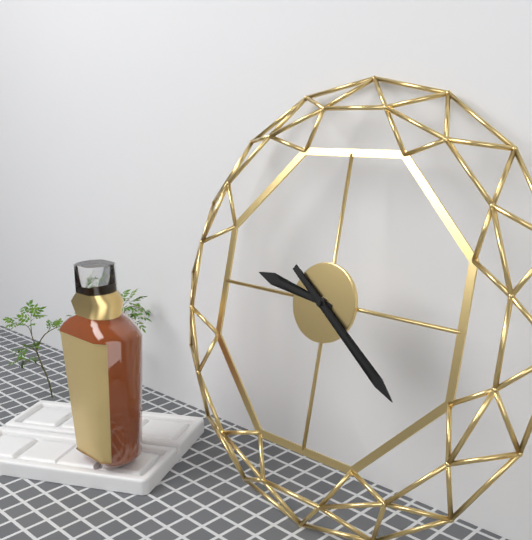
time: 9:21
